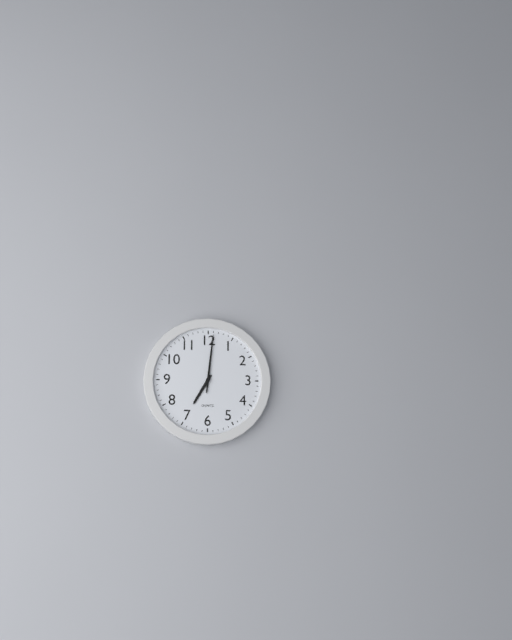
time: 7:01
